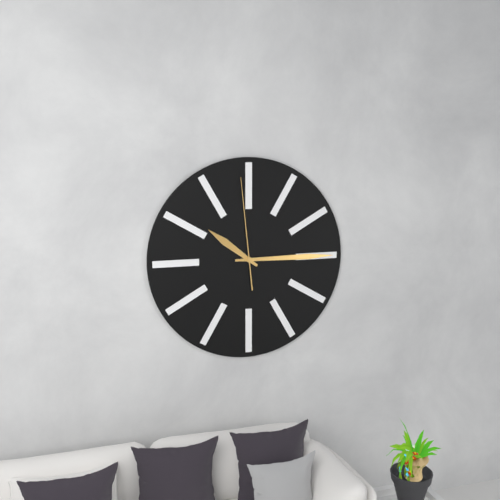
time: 10:15:59
